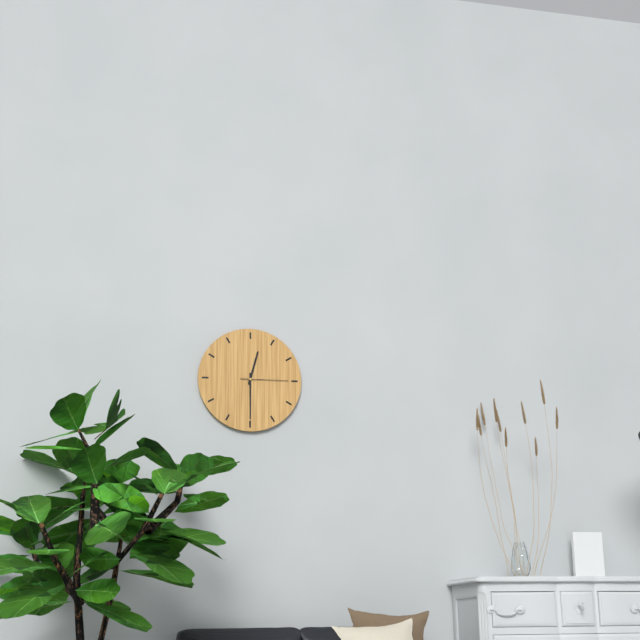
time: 12:30
